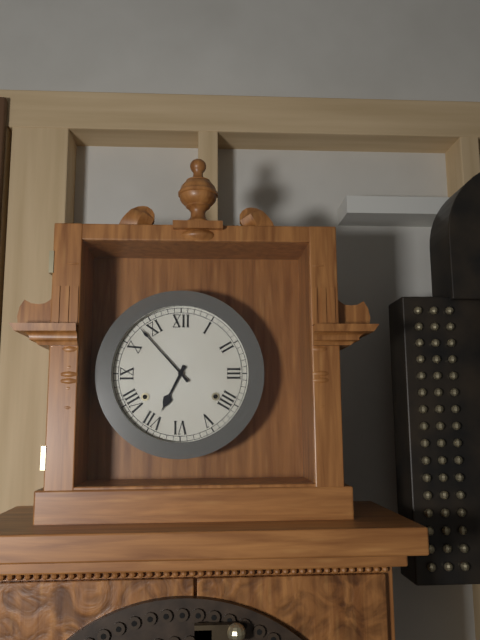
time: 6:53
